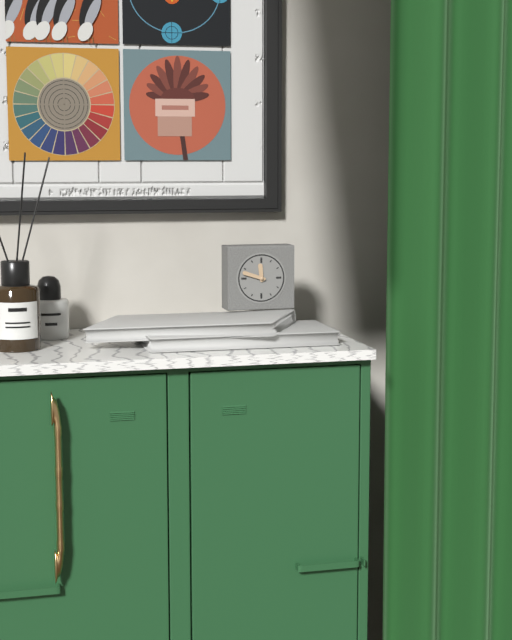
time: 11:48
